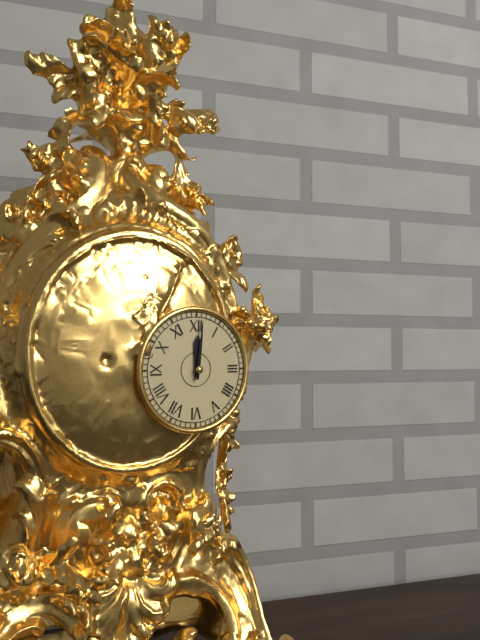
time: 12:01
